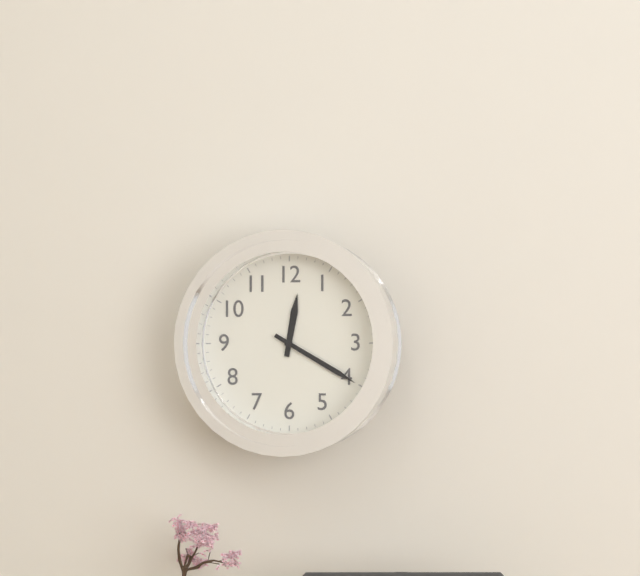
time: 12:20
